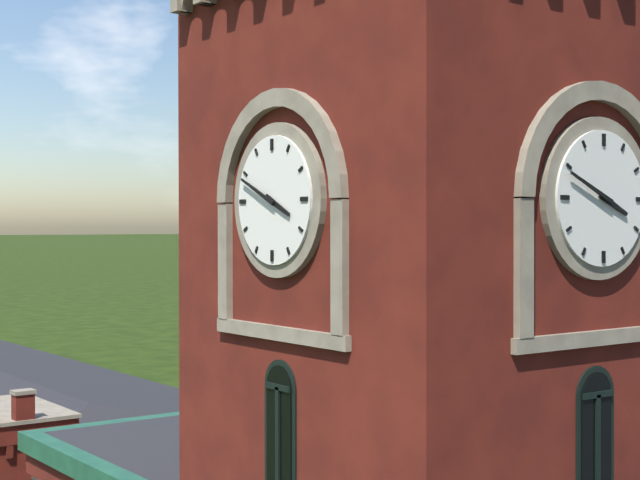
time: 3:49
